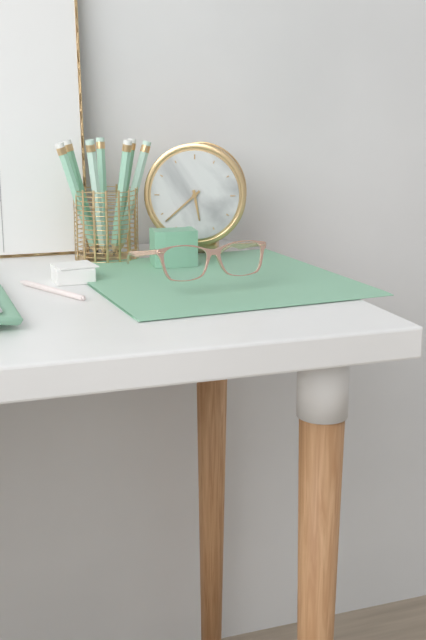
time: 5:38
